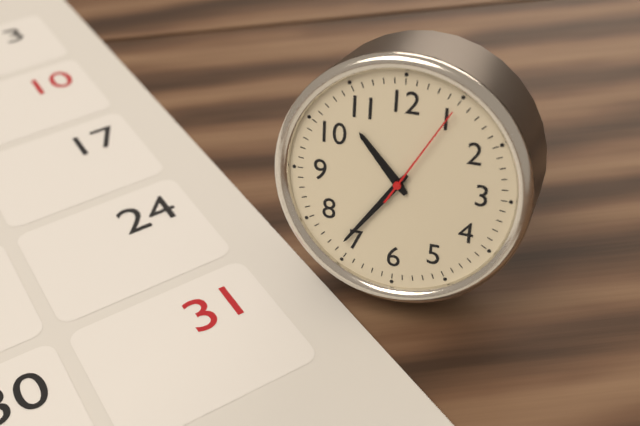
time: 10:36:05
